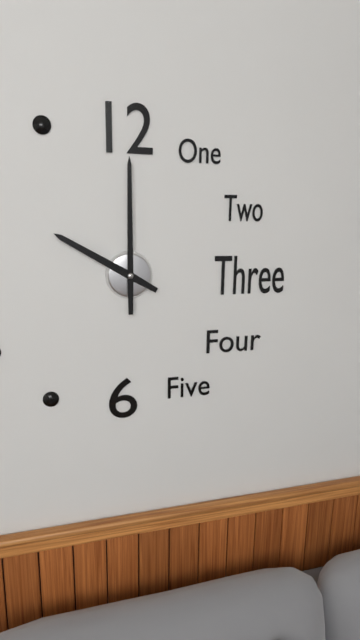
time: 10:00
